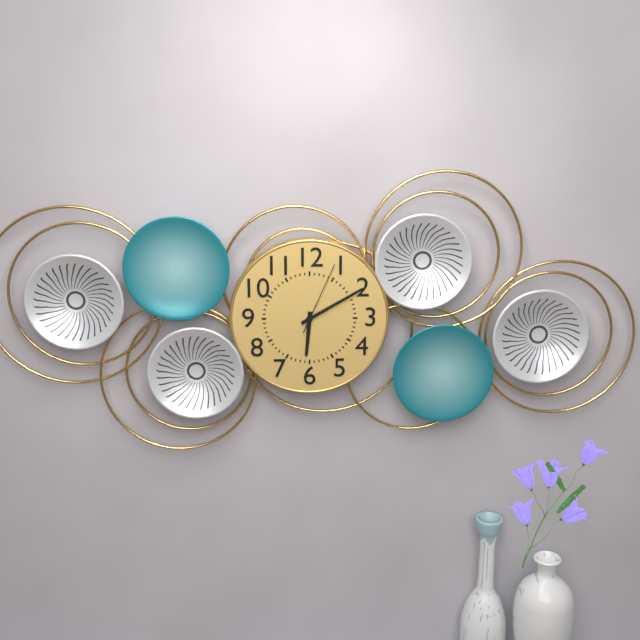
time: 6:10:04
